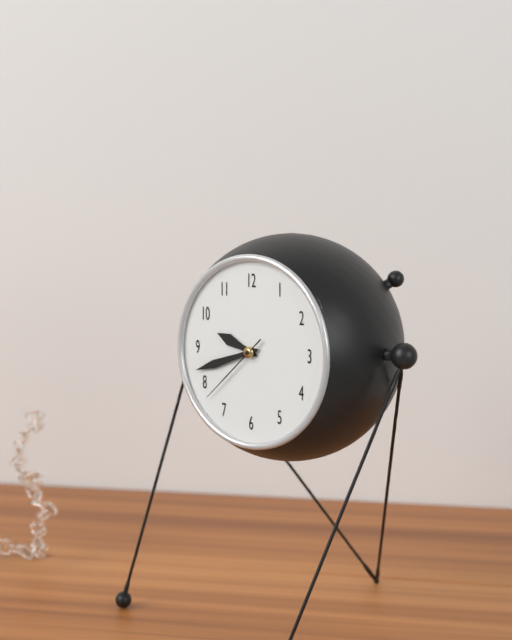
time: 9:42:38
